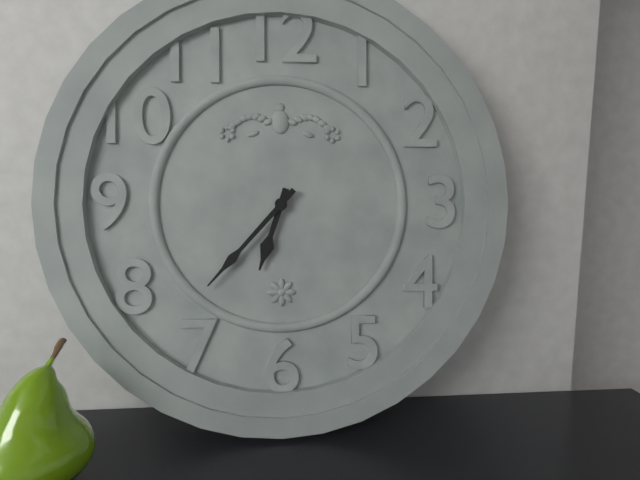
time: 6:37
